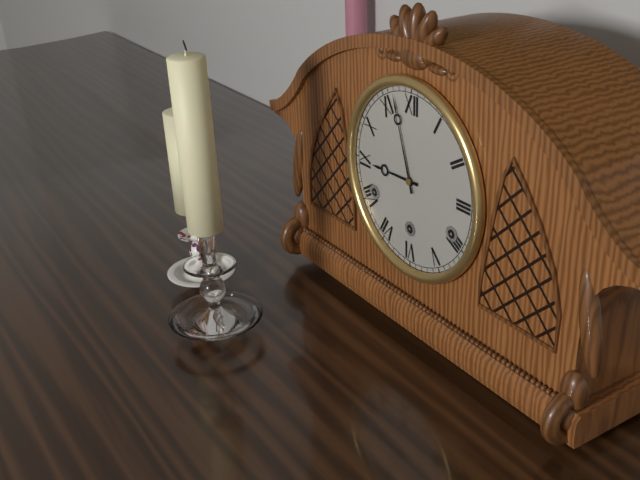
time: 8:57
